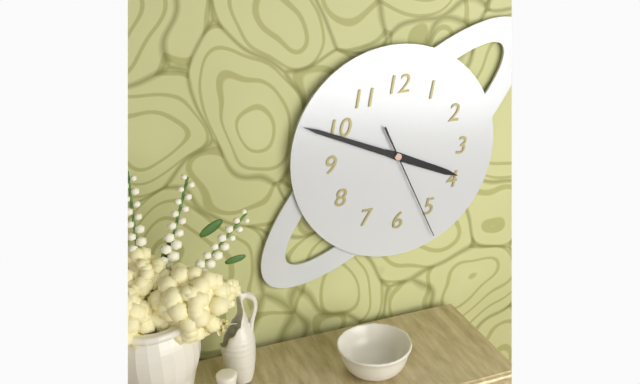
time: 3:49:26
